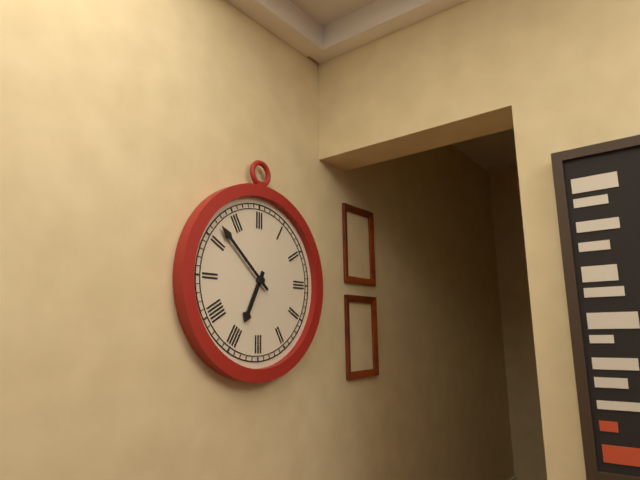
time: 6:52
